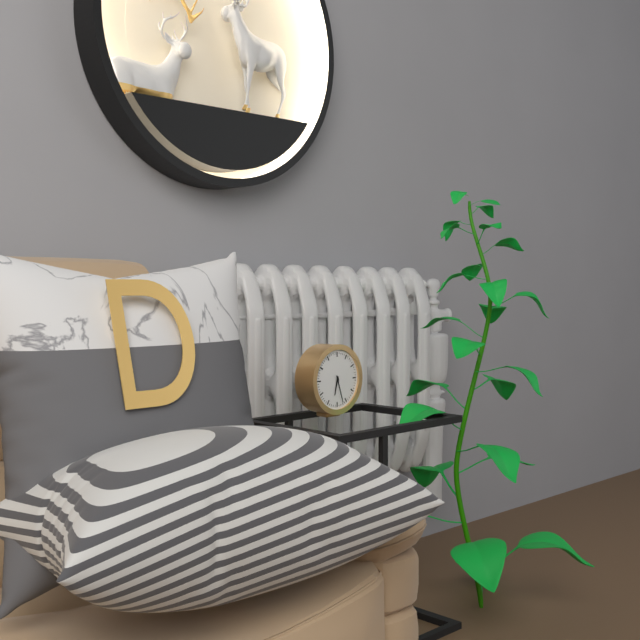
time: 6:27
